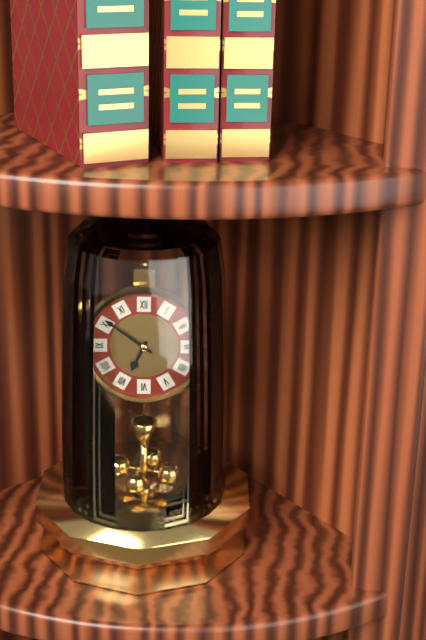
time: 6:51
